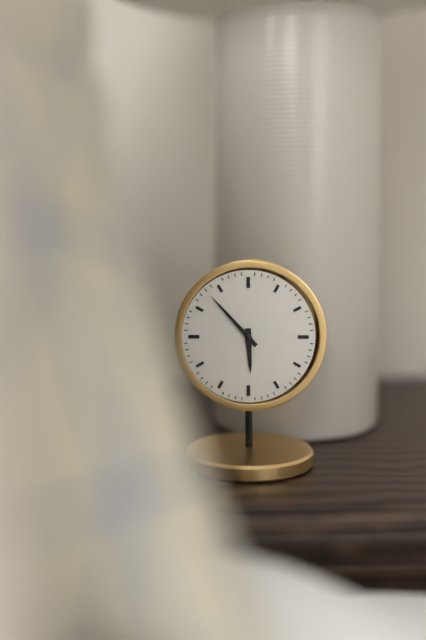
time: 5:53
